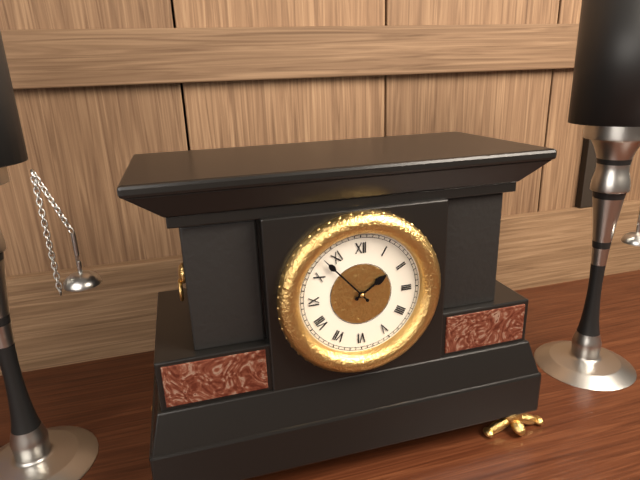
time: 1:53
